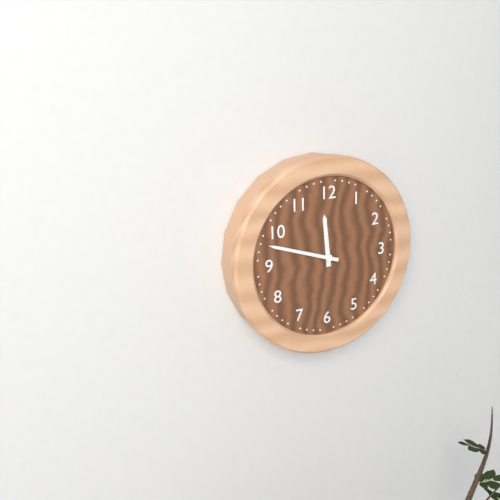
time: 11:48
